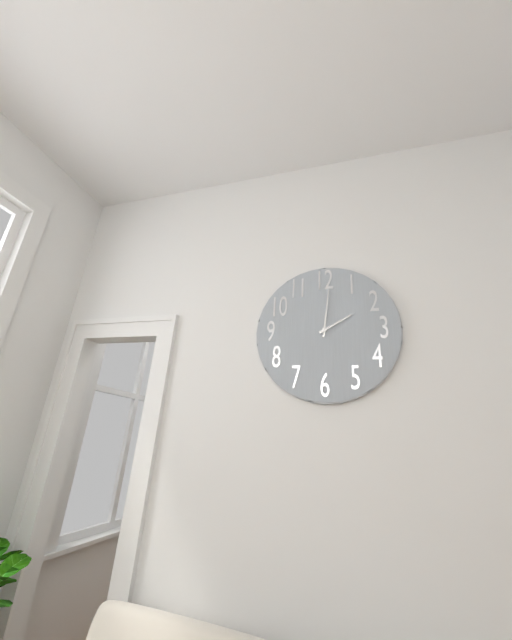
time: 2:01
